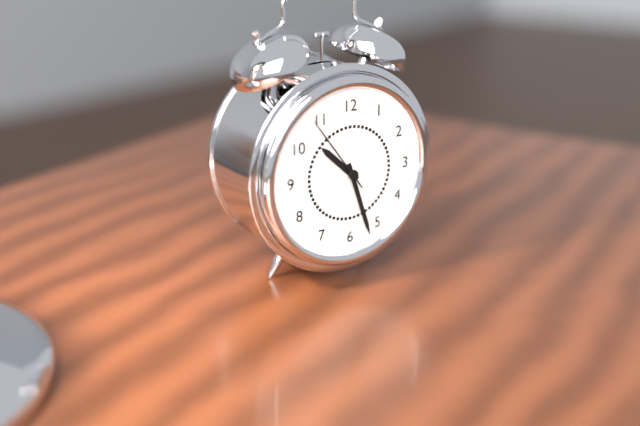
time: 10:27:54
